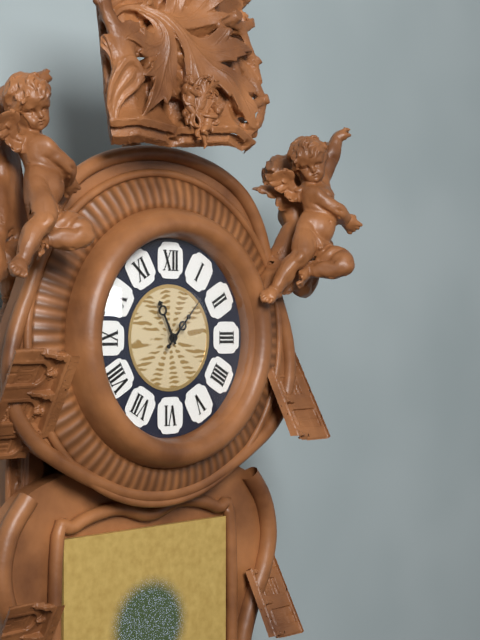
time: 11:07
